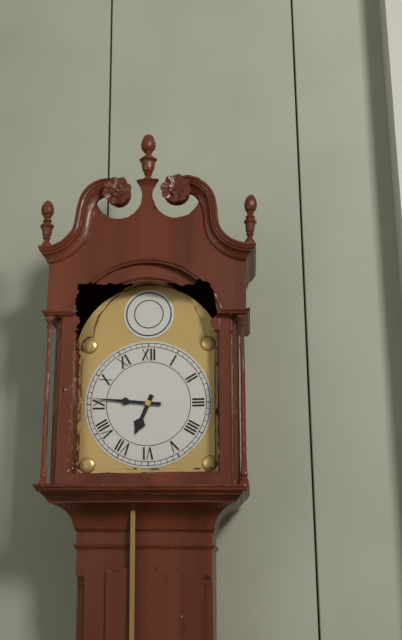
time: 6:46
